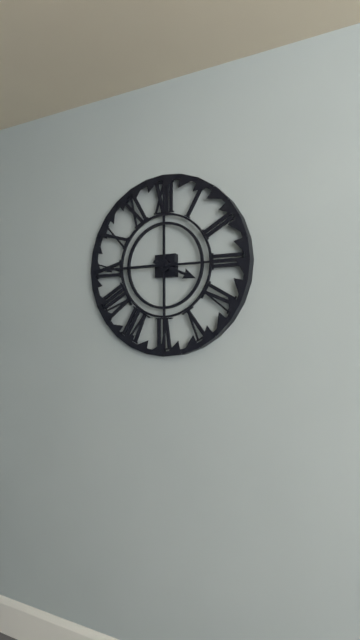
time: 3:45
